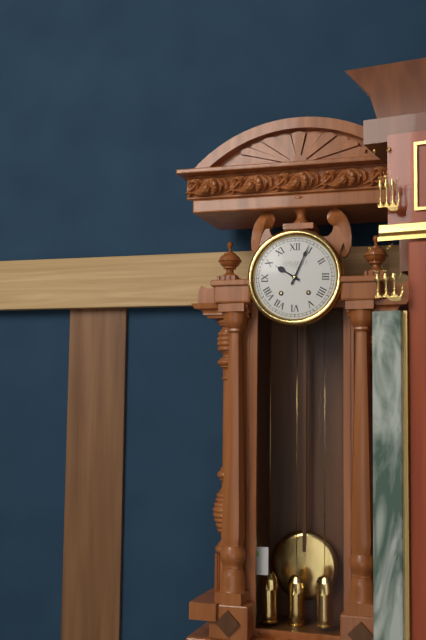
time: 10:04
